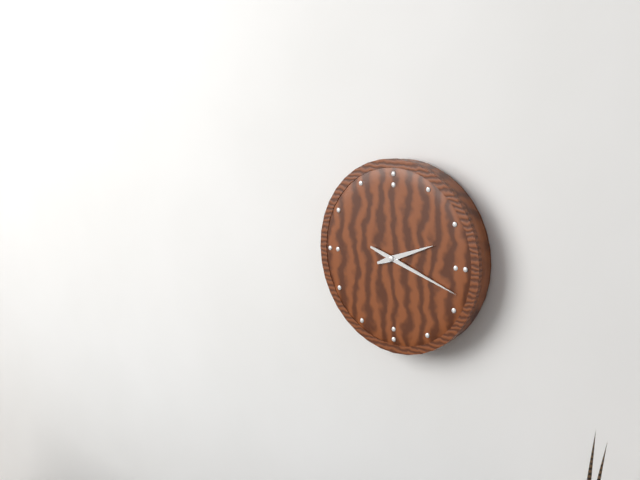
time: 2:18
